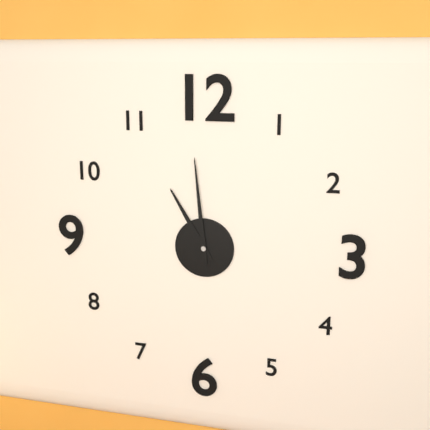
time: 10:59
